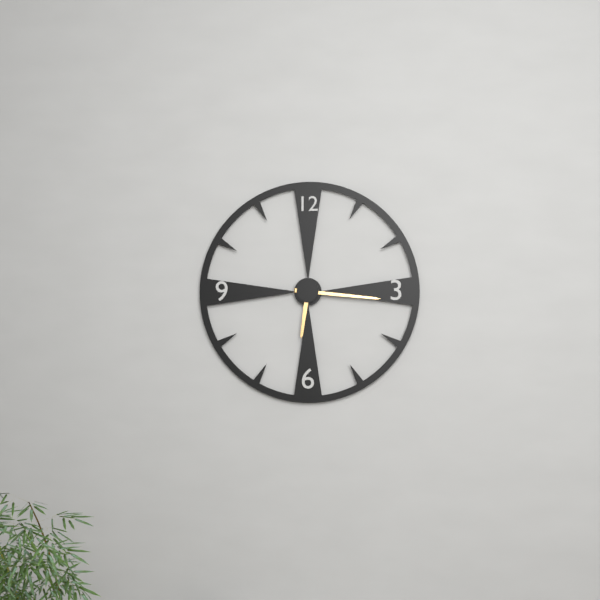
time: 6:16
